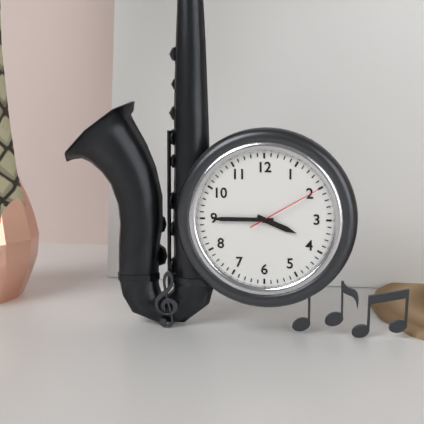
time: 3:45:10
